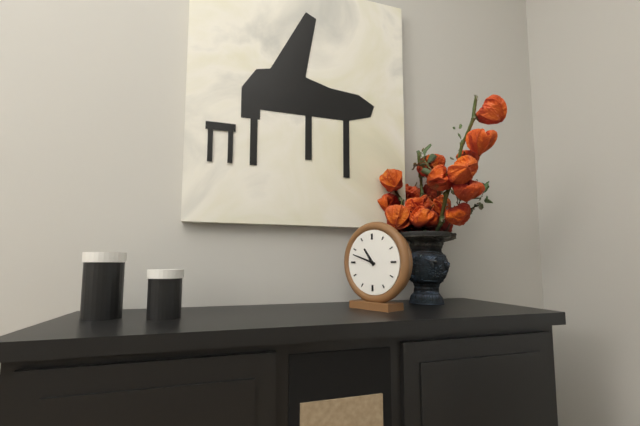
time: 10:48
